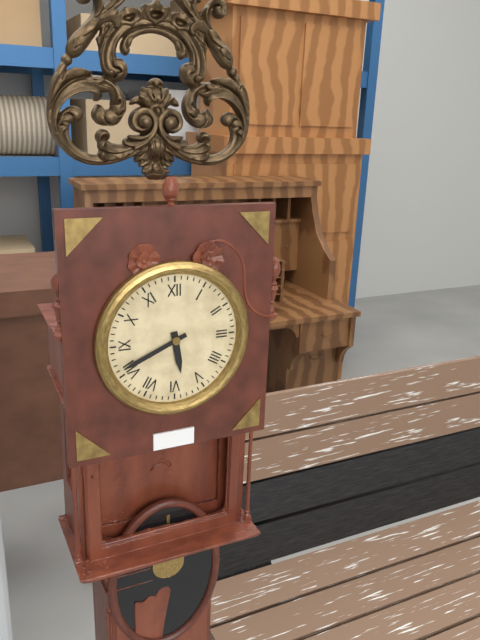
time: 5:41
